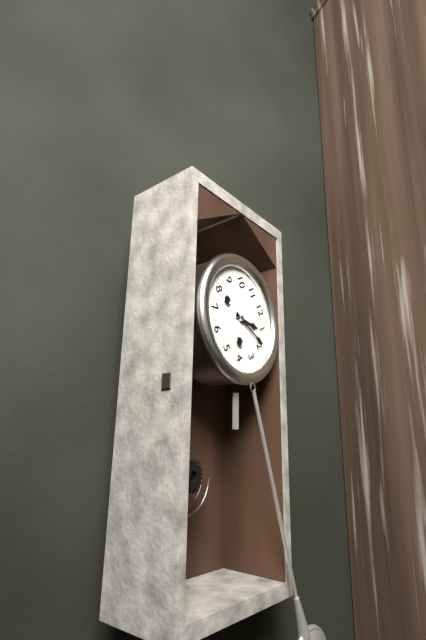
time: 1:09
